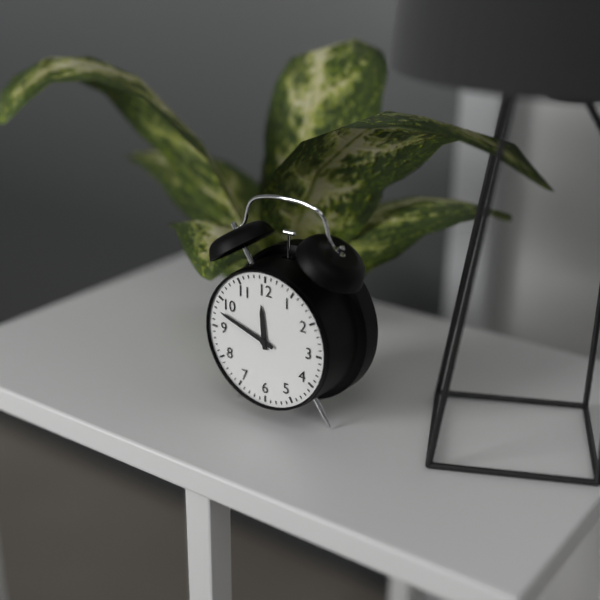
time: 11:48
